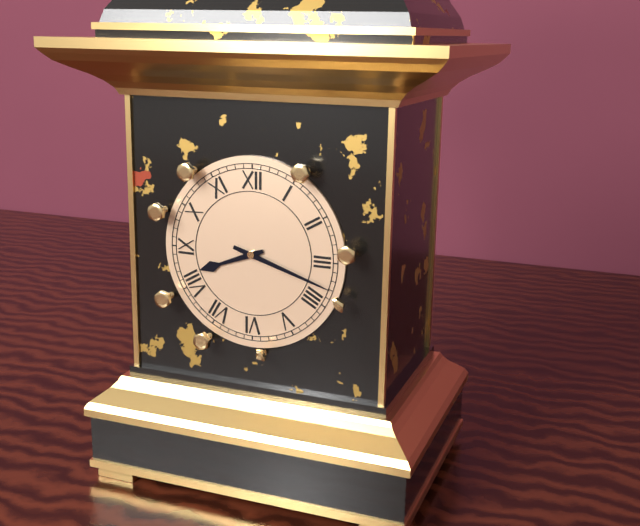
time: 8:18
